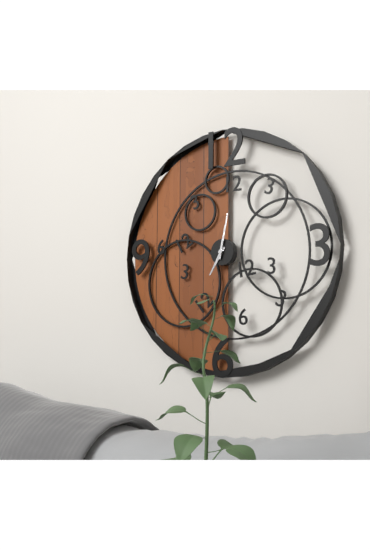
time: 7:02
